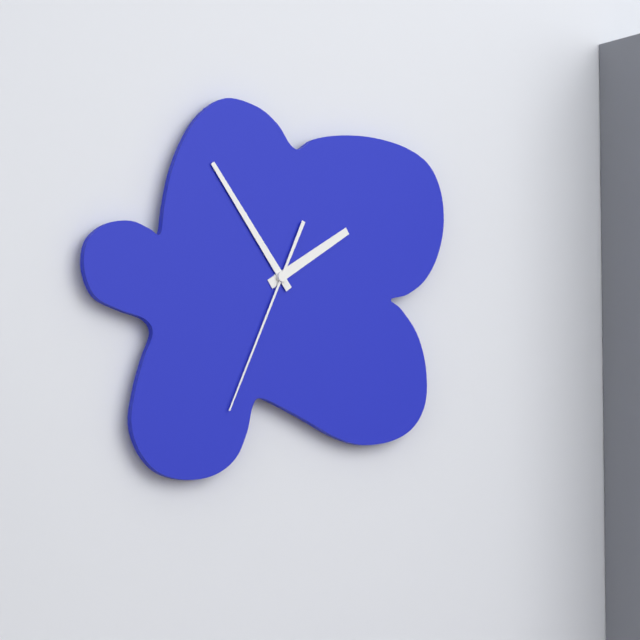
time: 1:54:34
